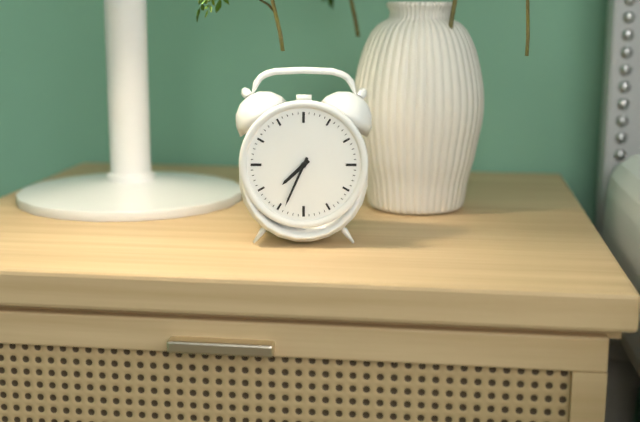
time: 7:34
